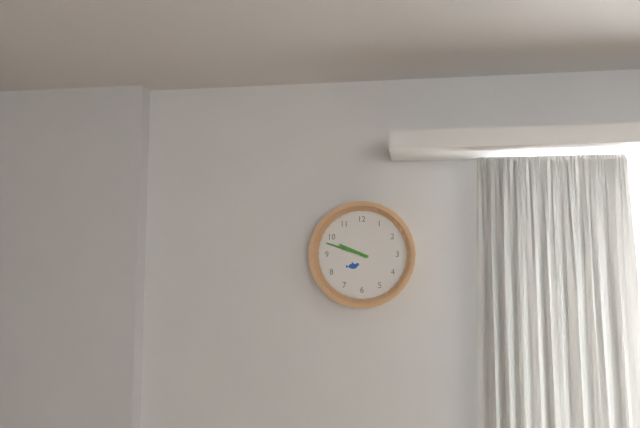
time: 9:48
